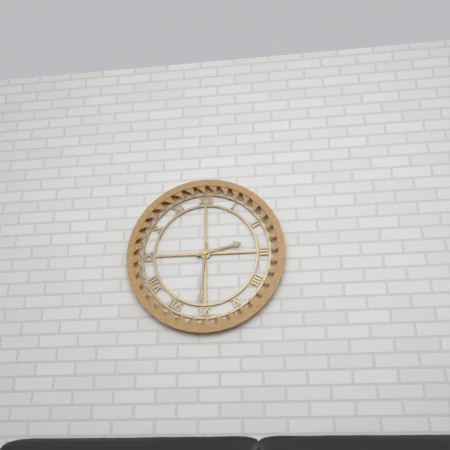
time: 2:31
